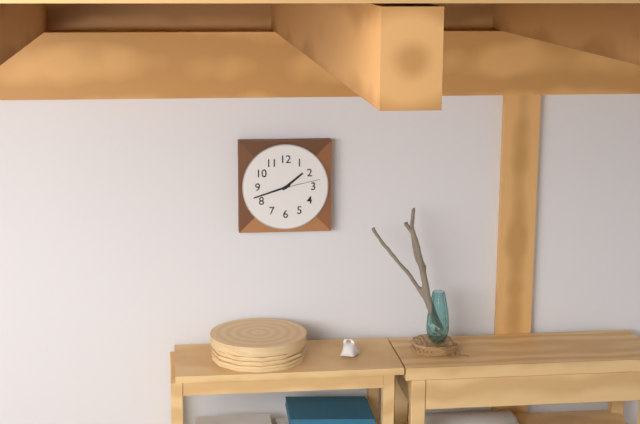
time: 1:42
